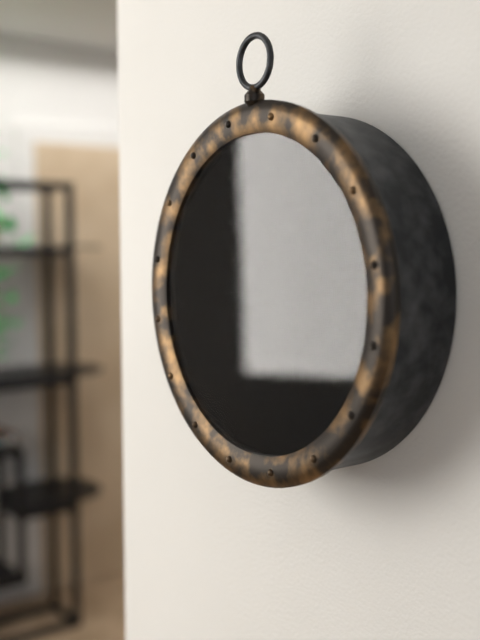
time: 8:20
